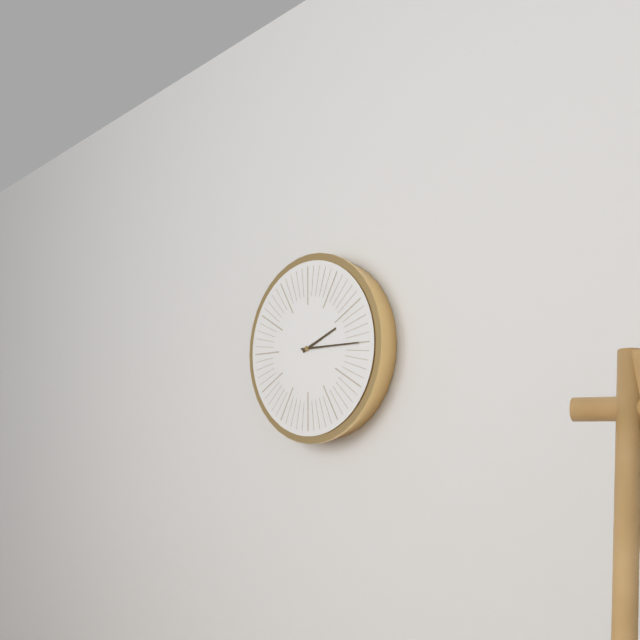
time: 2:15
